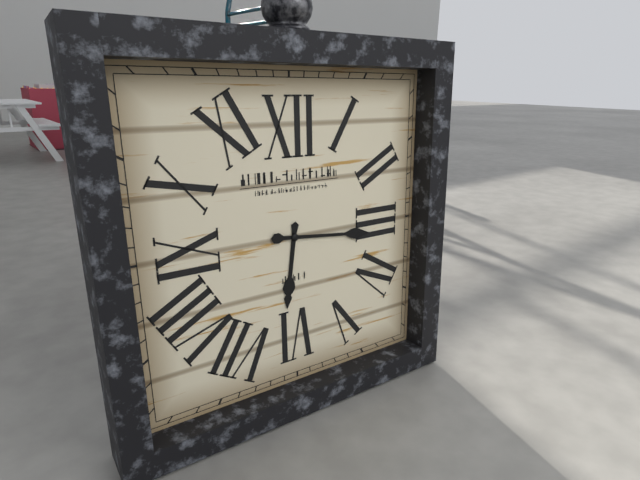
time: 6:16
